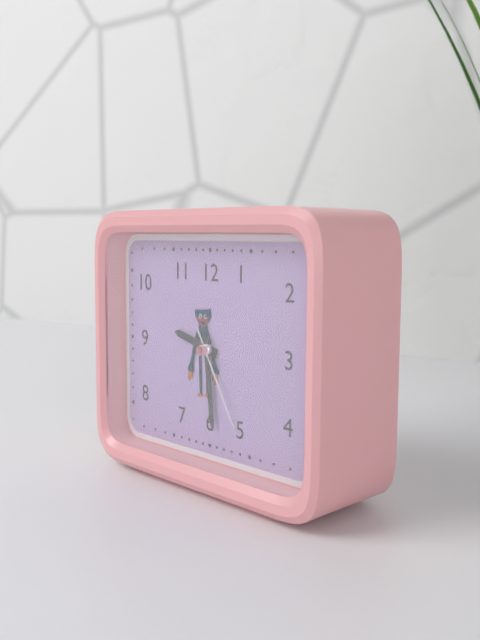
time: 9:29:25
